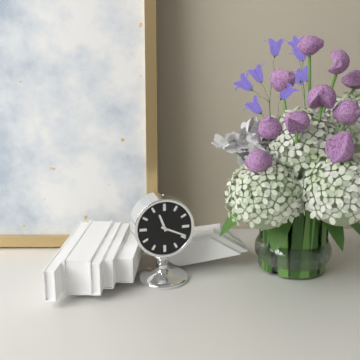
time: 11:19
